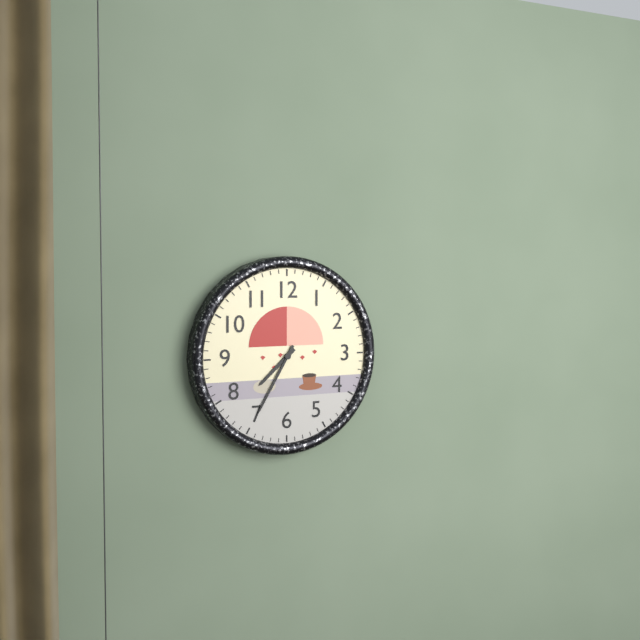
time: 7:35
